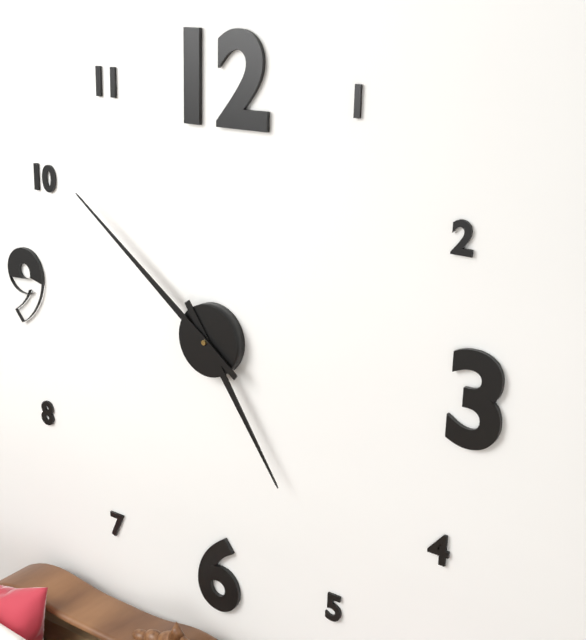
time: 4:51
